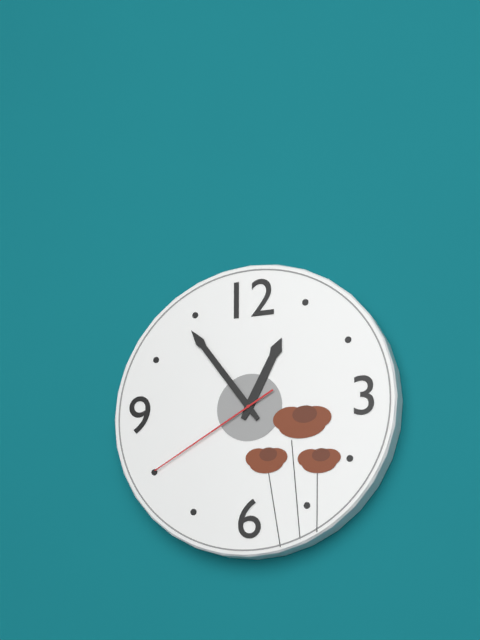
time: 12:54:40
